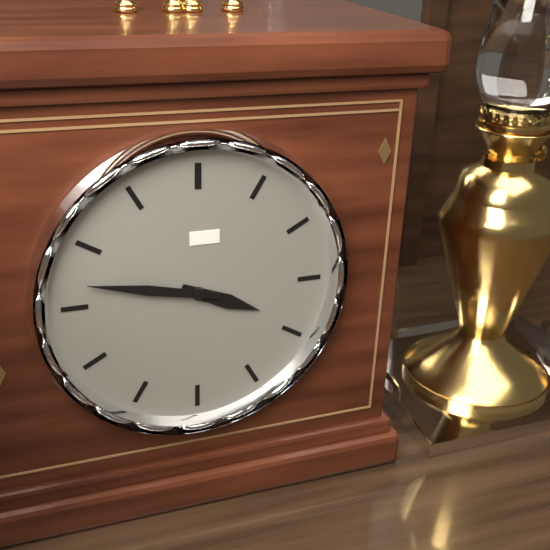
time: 3:47
